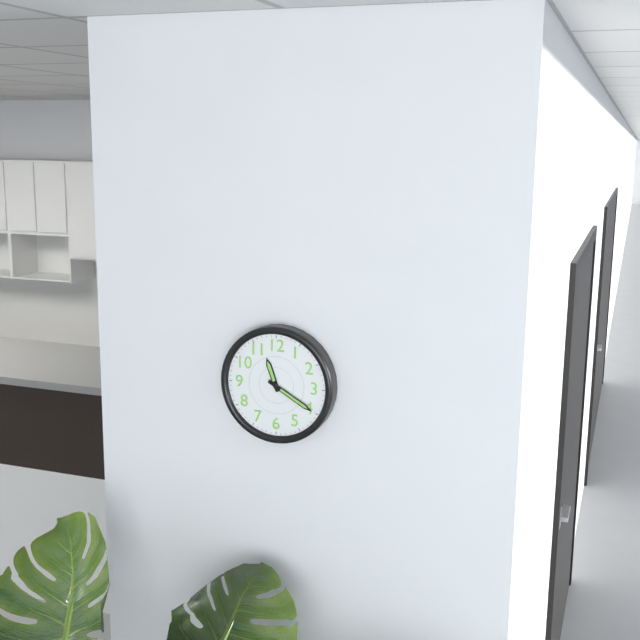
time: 11:20
